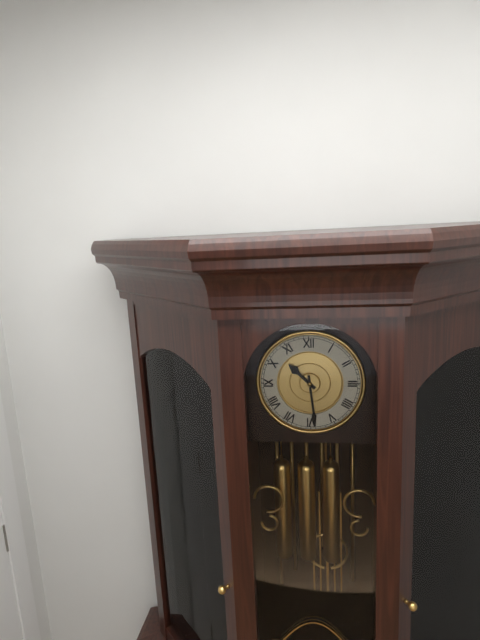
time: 10:29
